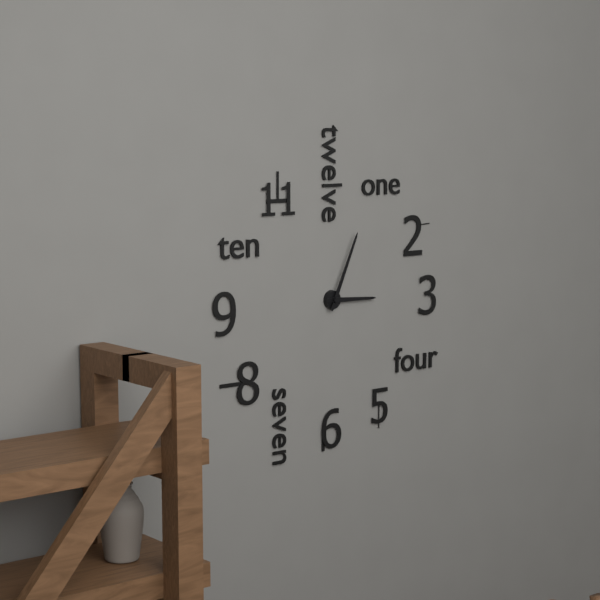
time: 3:04
